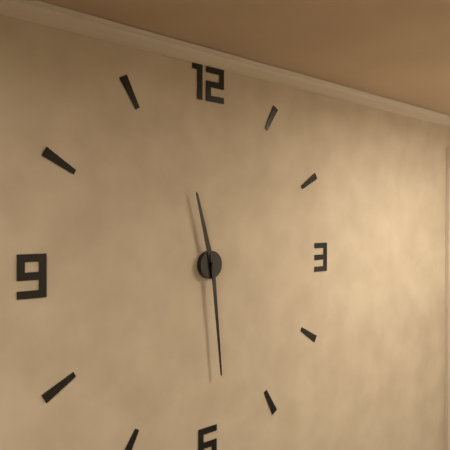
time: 11:29
